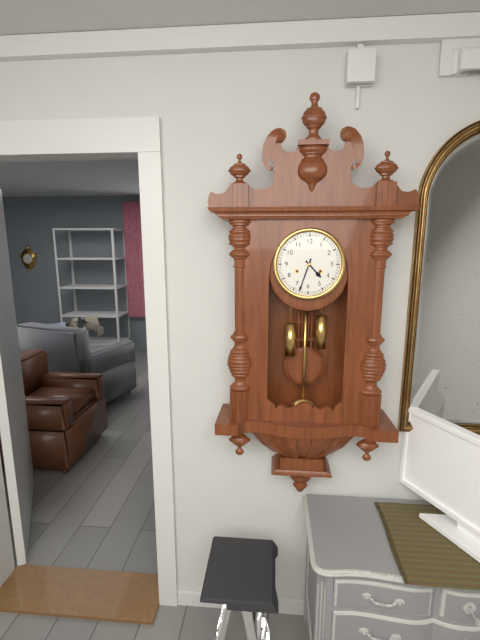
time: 4:33
